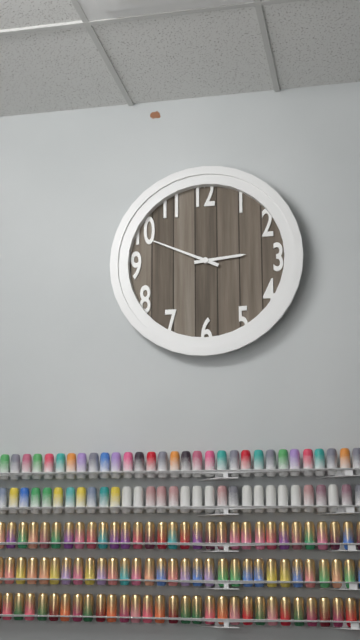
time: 2:49
